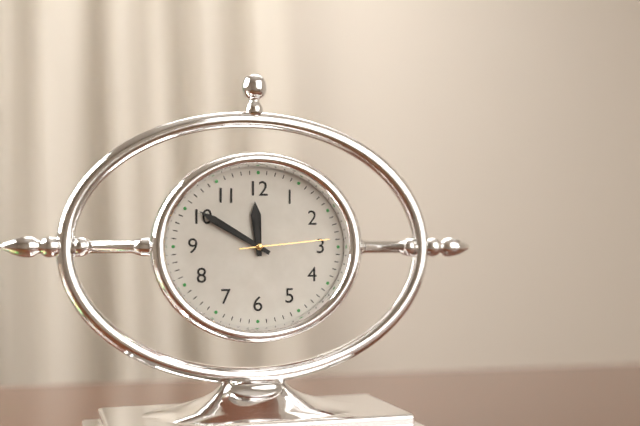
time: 11:50:14
